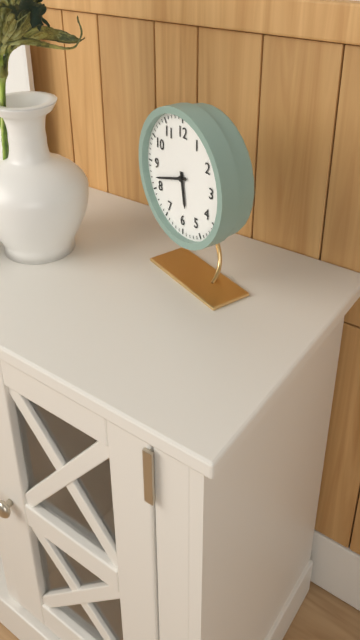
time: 5:42
